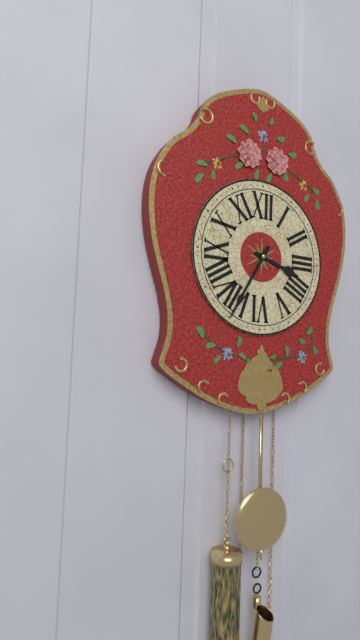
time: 3:35
